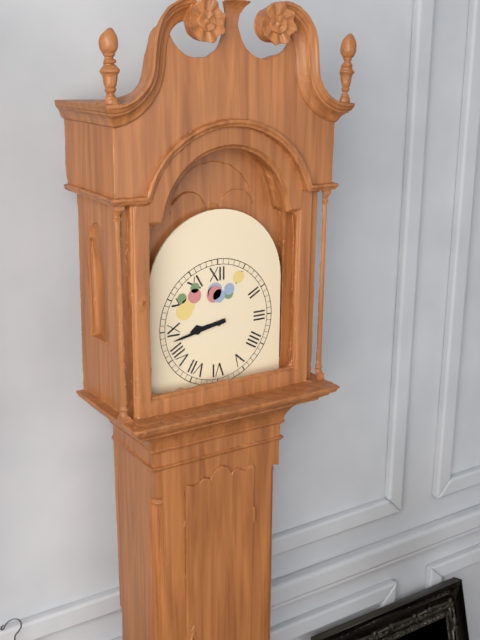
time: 8:43
